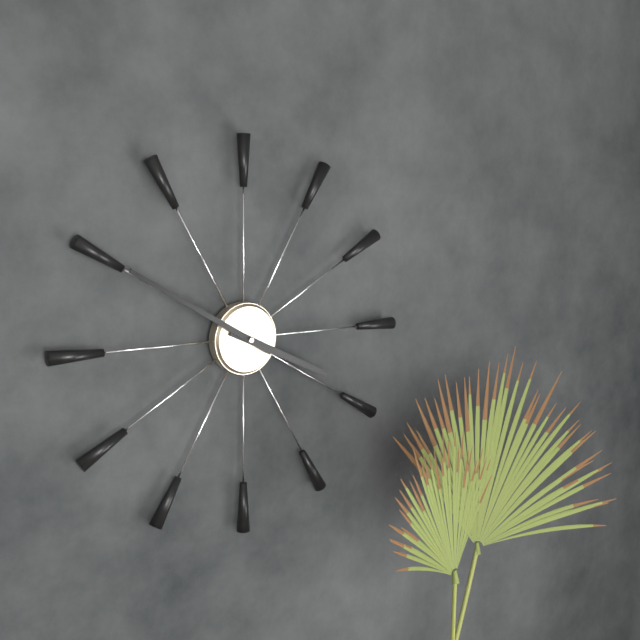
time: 3:50
